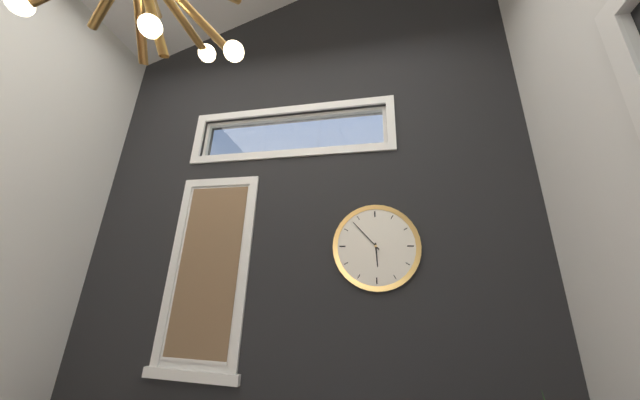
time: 5:53
